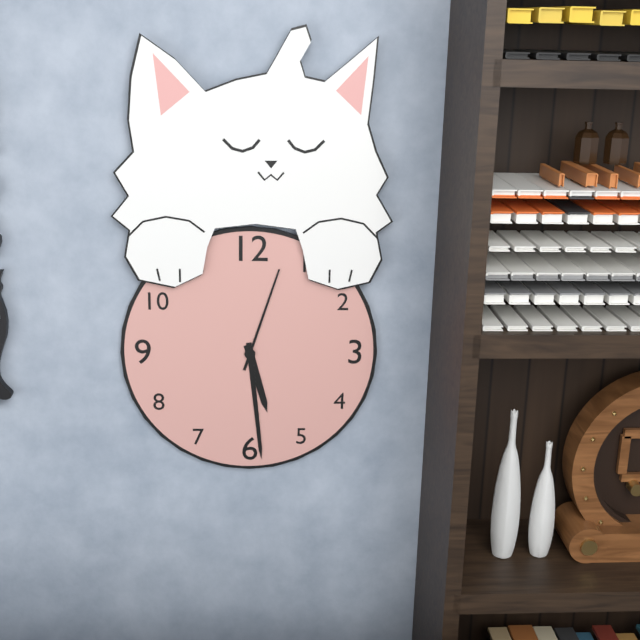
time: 5:29:03
